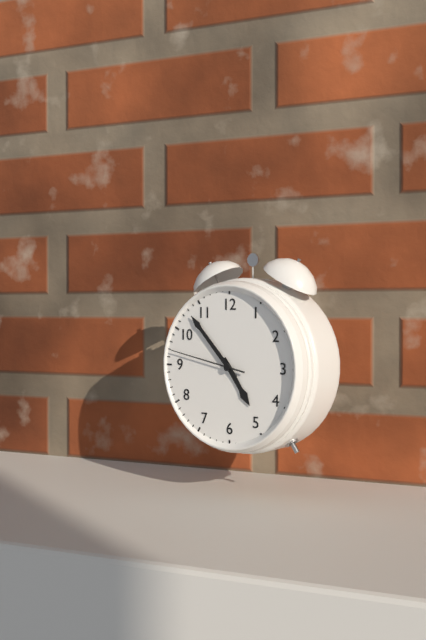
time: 4:53:47
